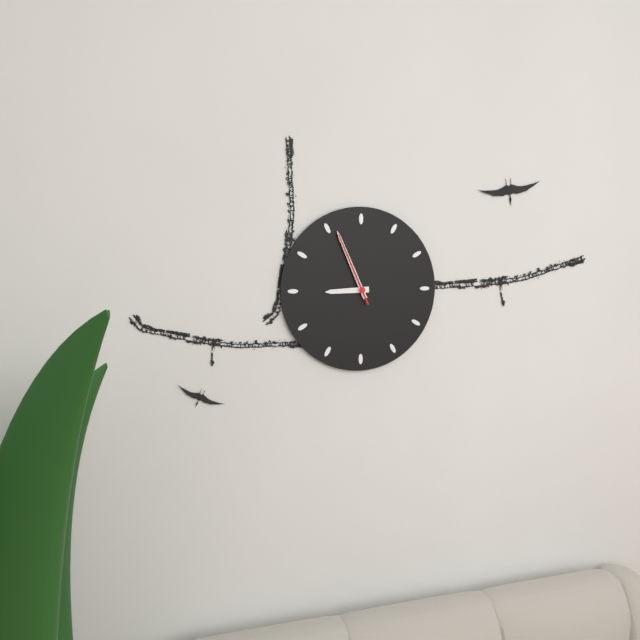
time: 8:56:56
